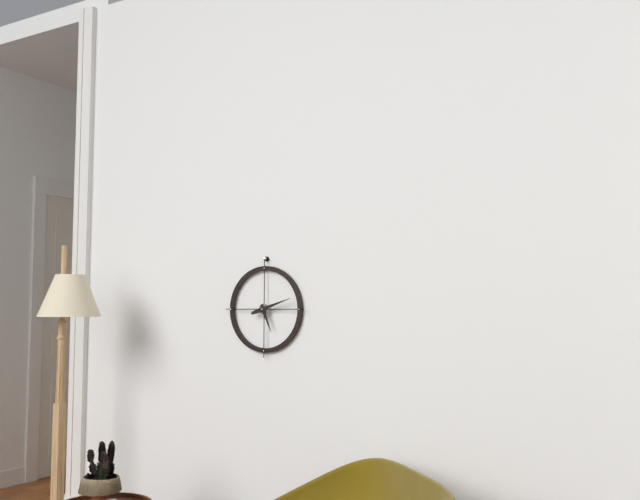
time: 5:12
